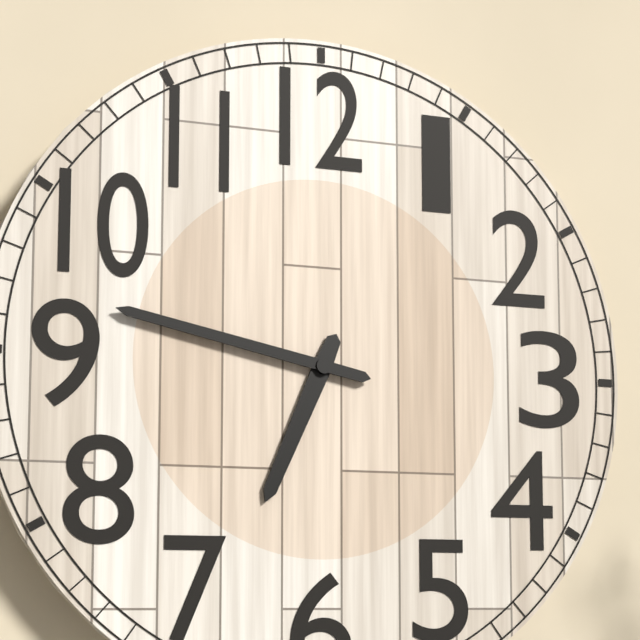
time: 6:47
